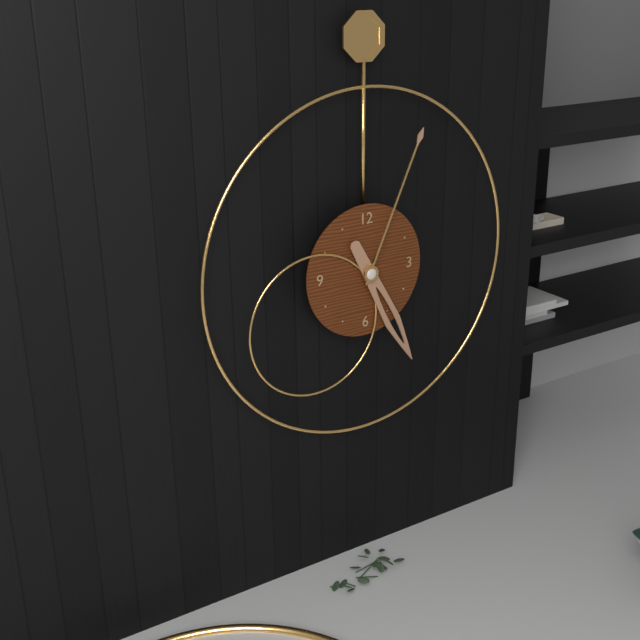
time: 5:04
